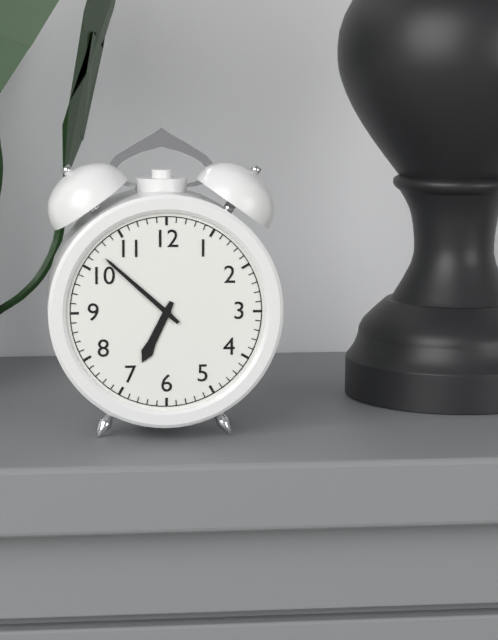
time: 6:52
